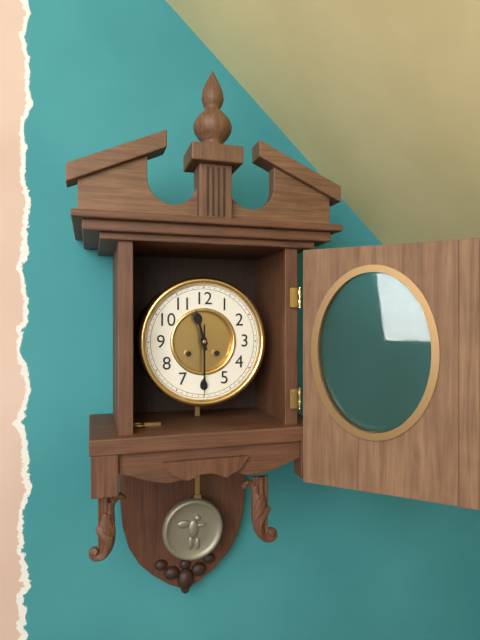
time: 11:30
